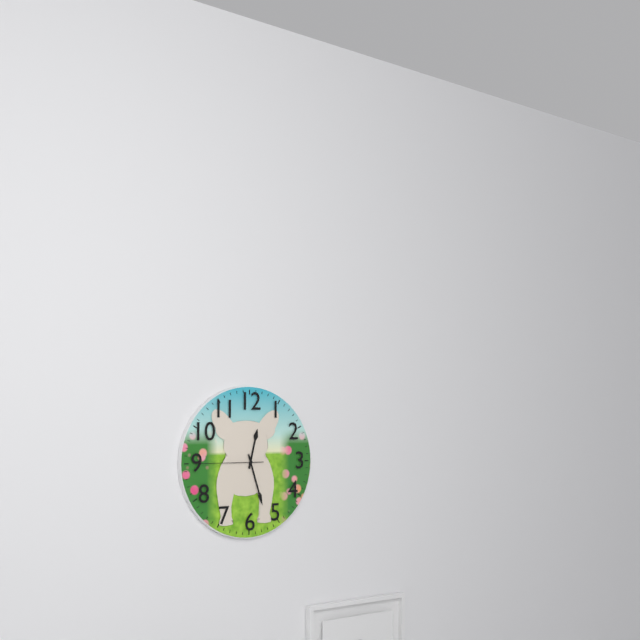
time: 12:27:45
